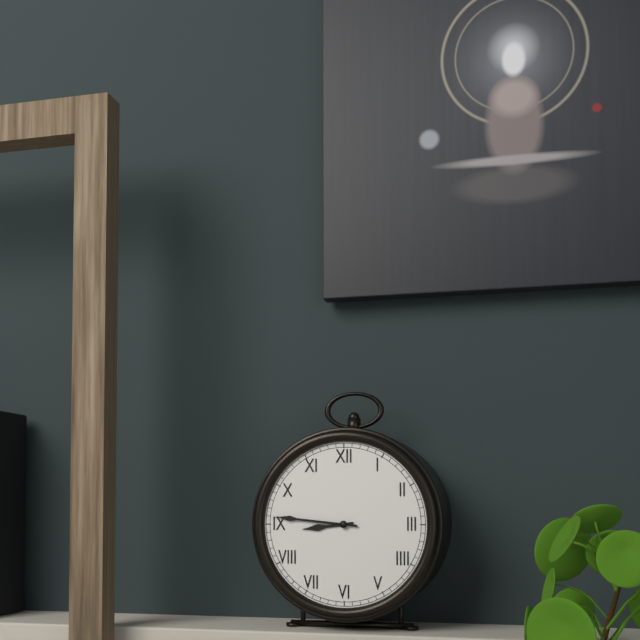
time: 8:46
